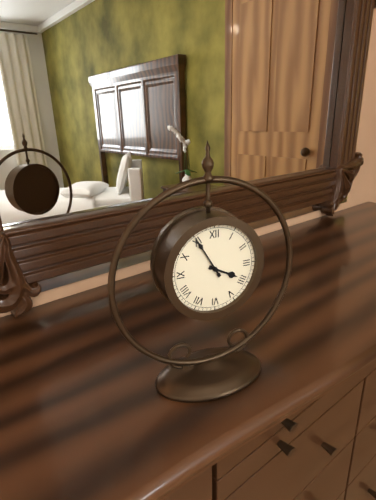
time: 3:55
